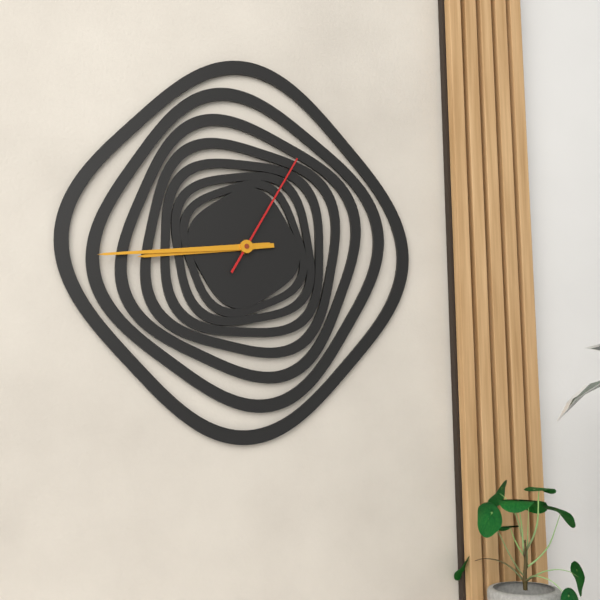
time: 8:44:05
